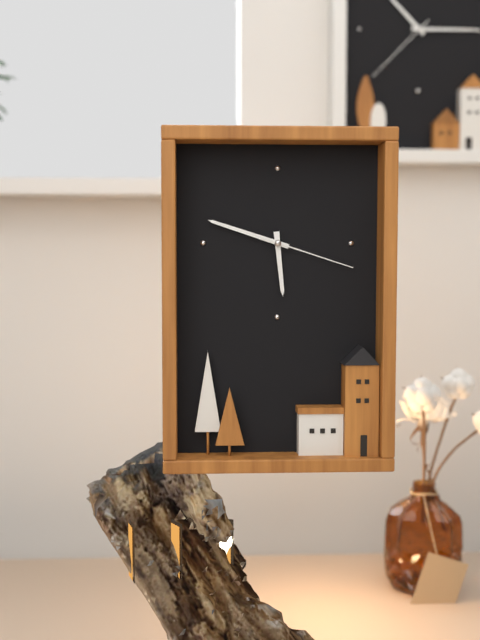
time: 5:48:18
